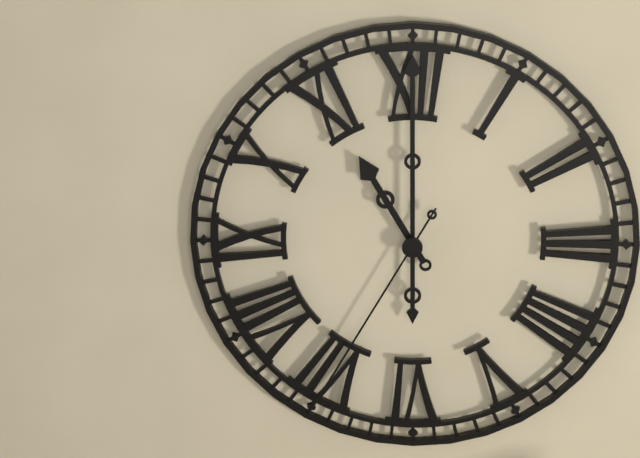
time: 11:00:35
